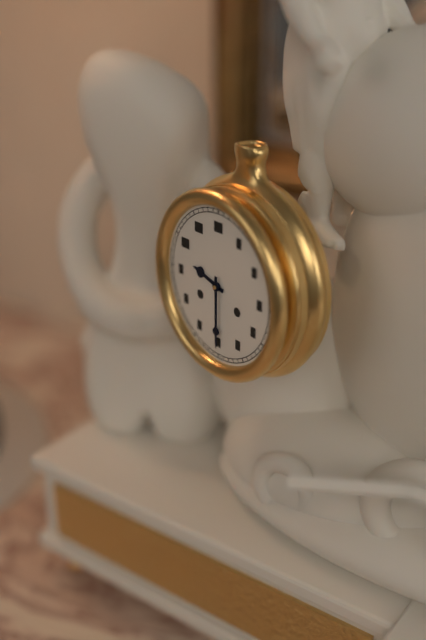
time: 9:30
